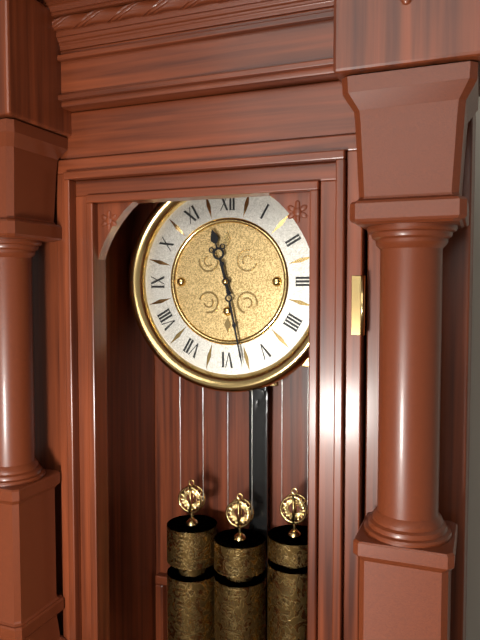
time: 11:28
